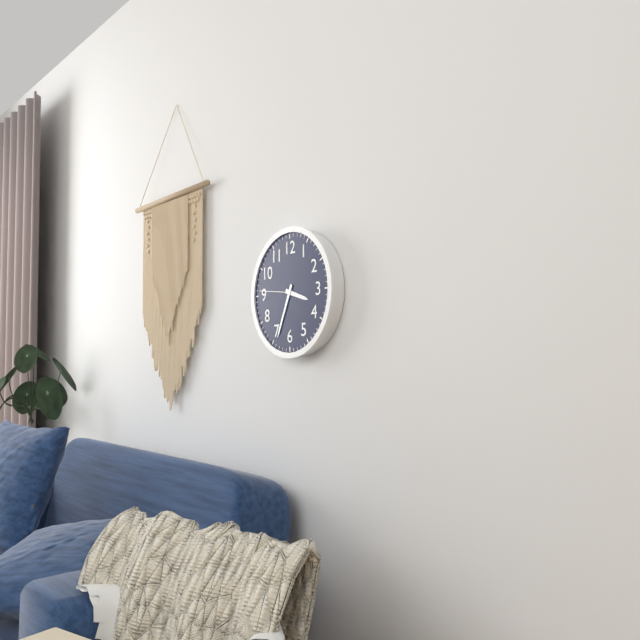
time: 3:34
